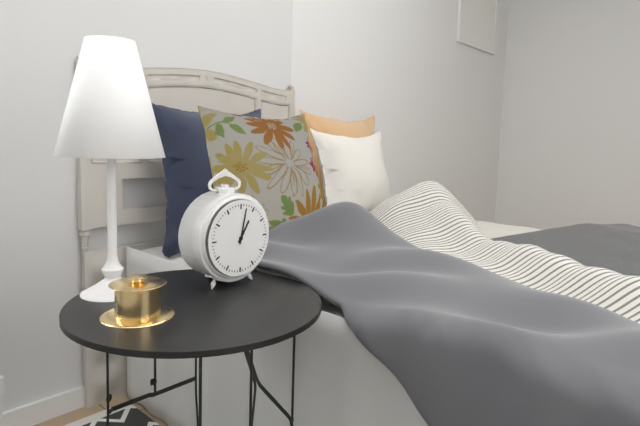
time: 1:02
